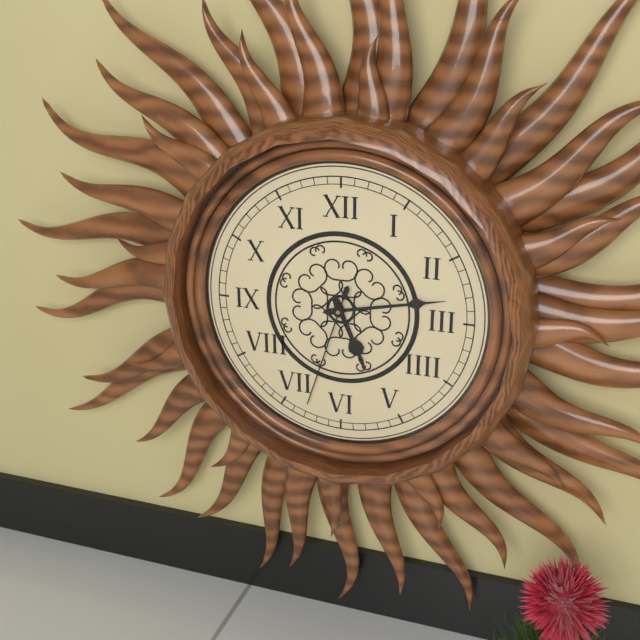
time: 5:13:33
